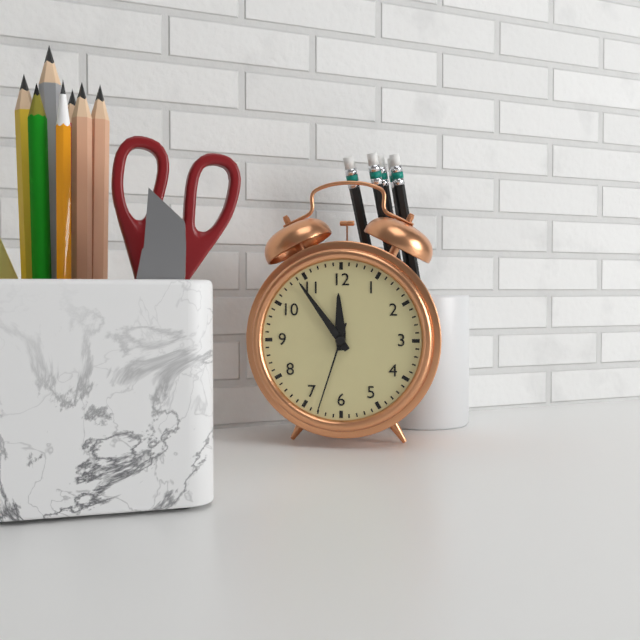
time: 11:54:33
